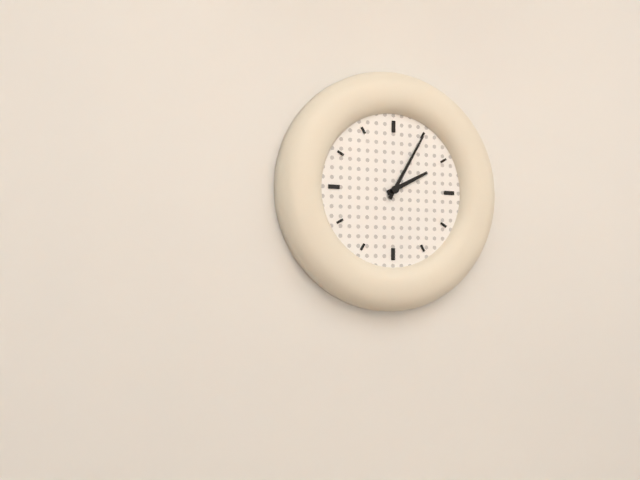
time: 2:05
